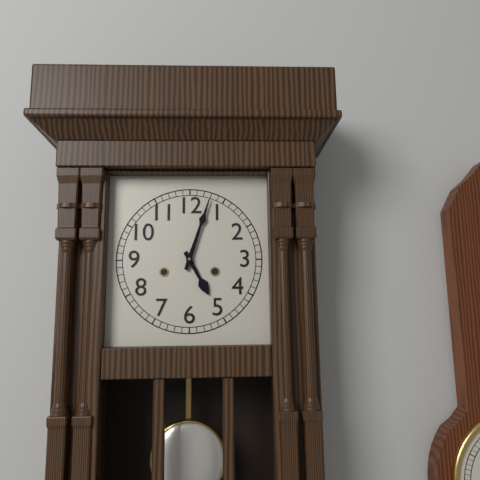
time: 5:03
